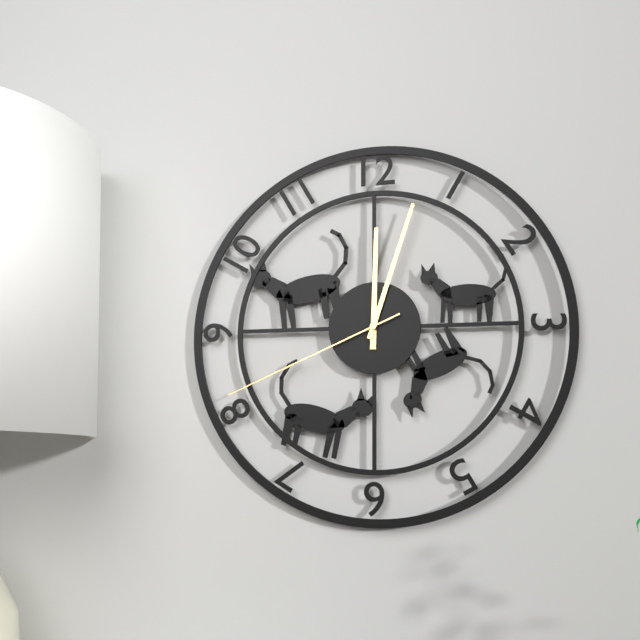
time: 12:03:41
